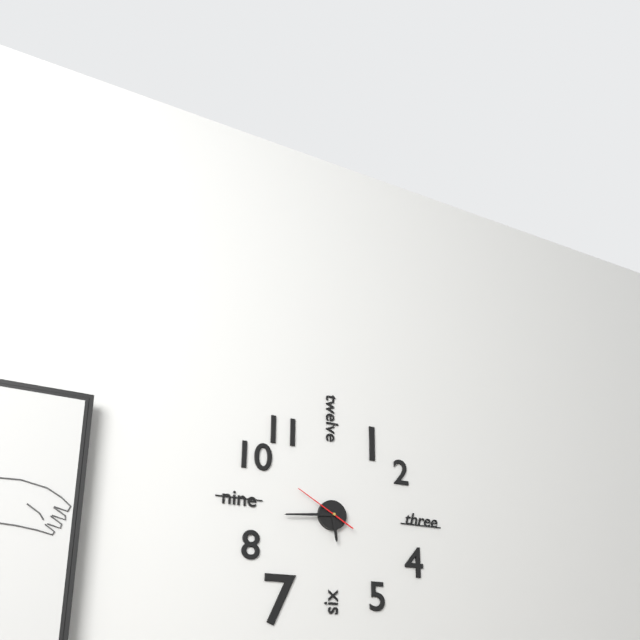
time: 5:44:50
